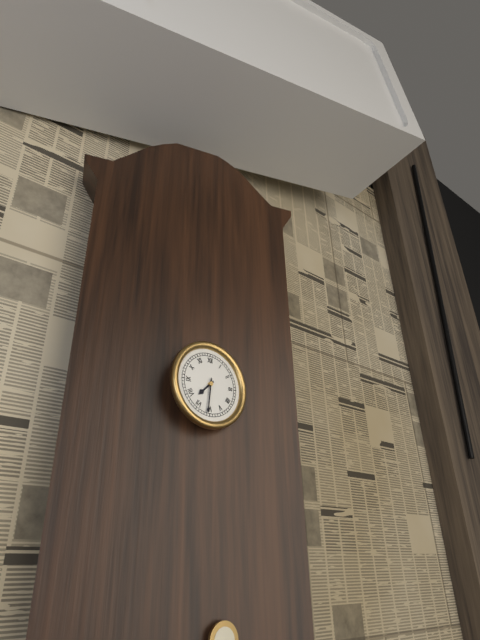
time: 7:31
